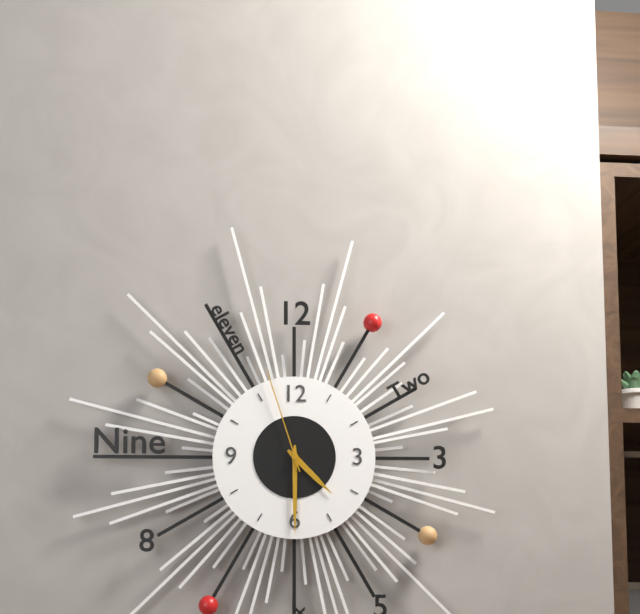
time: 4:30:57
